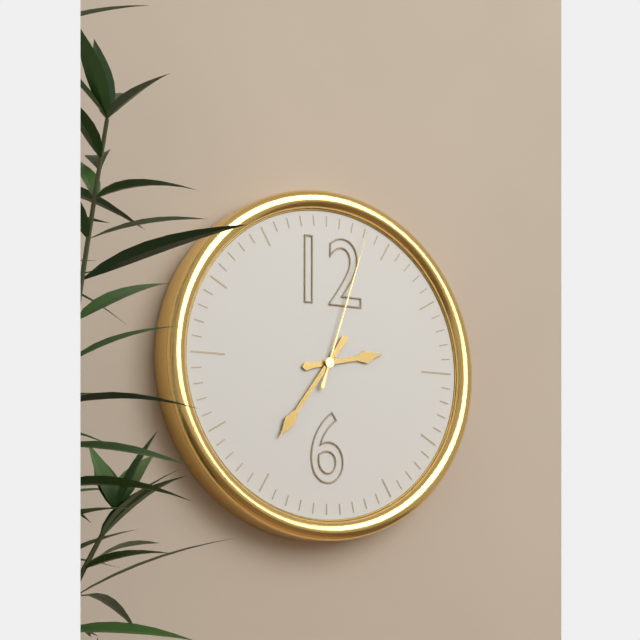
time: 2:36:03
